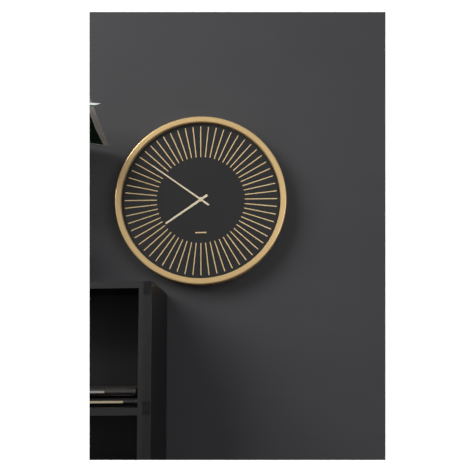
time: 7:51
